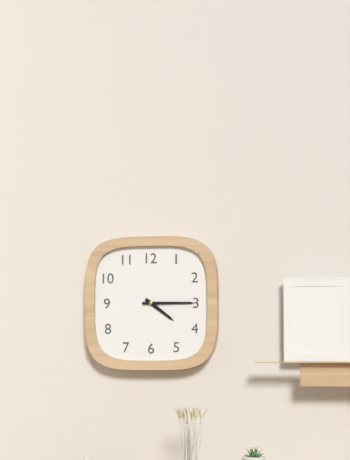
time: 4:15
